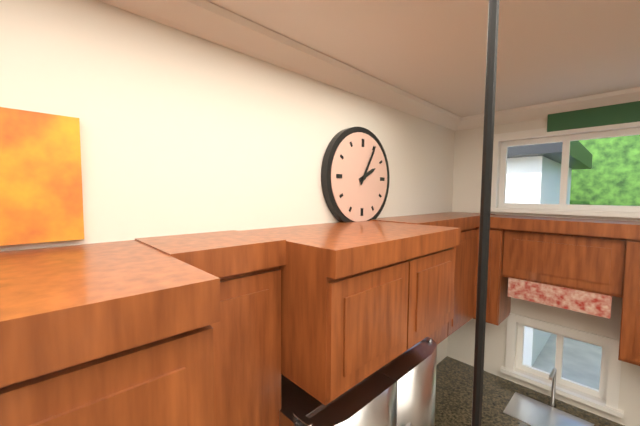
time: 2:05
